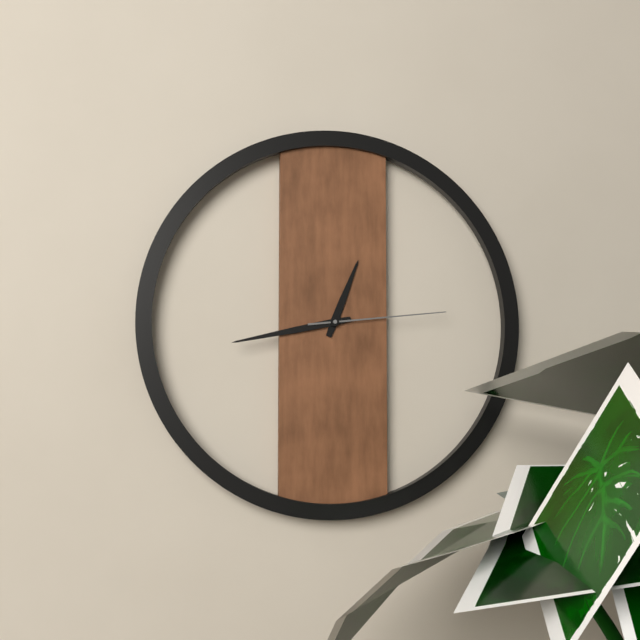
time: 12:43:14
